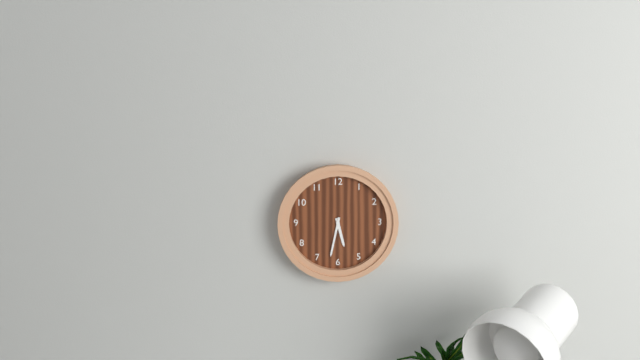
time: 5:32
